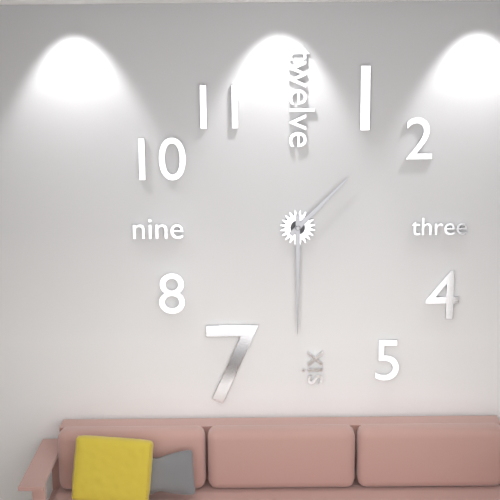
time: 1:30
